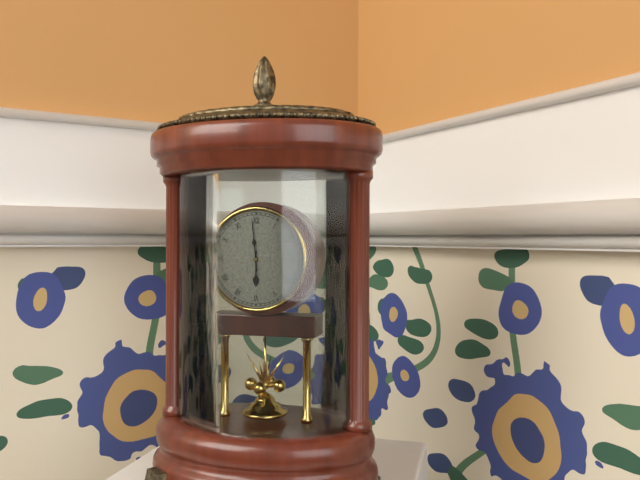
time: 5:59
